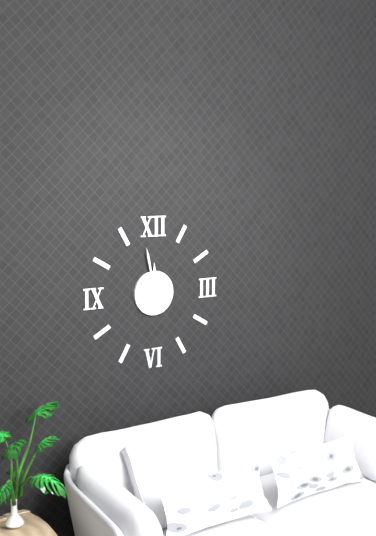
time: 11:58
